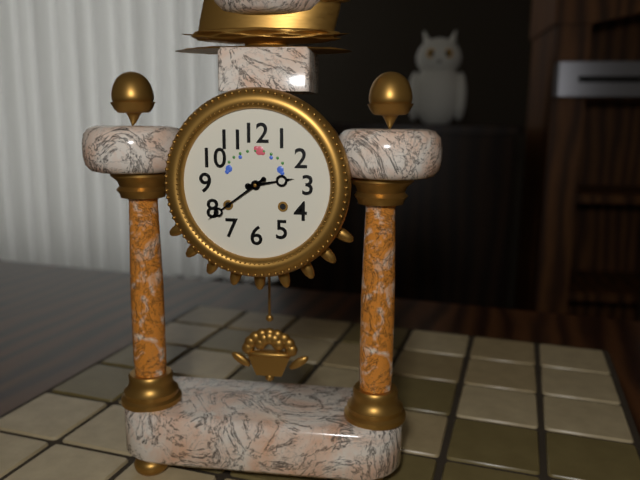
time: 2:39
